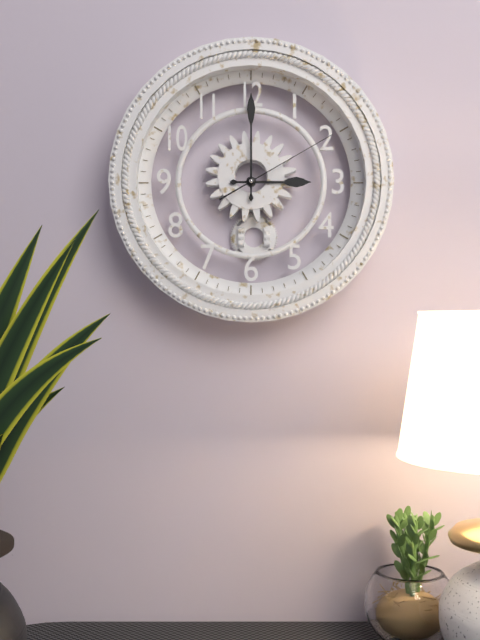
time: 3:00:10
